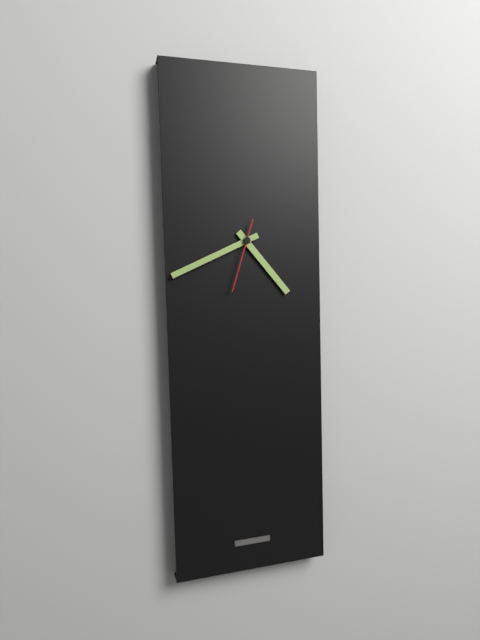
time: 4:41:33
